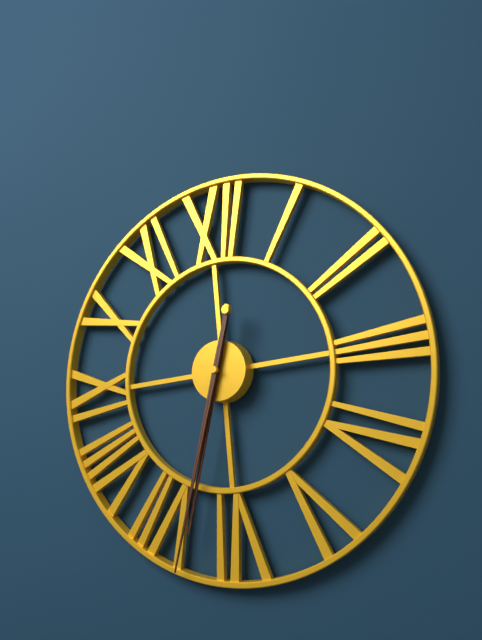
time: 6:33
